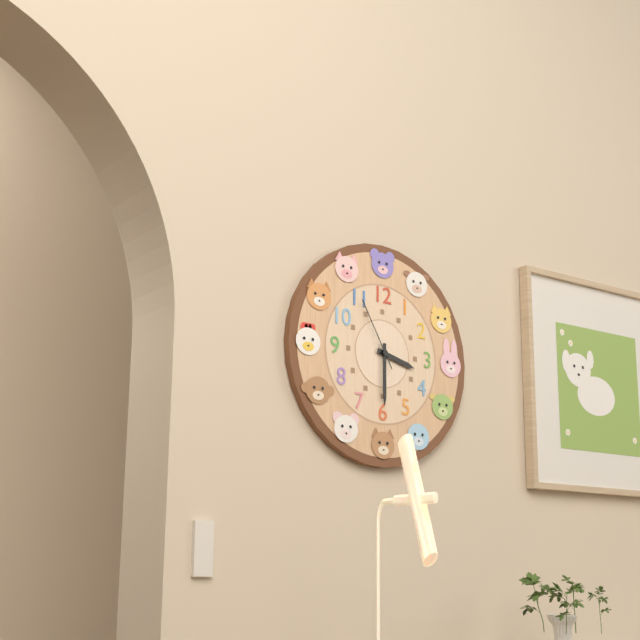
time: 3:30:55
